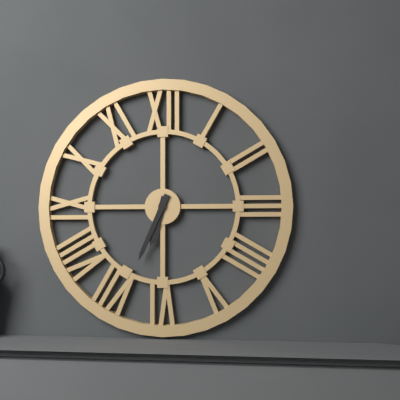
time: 6:34
